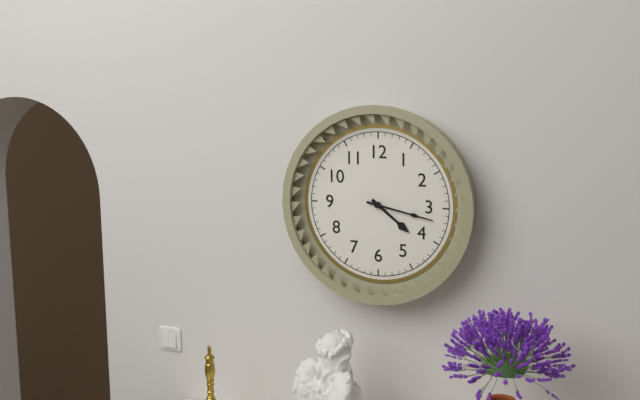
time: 4:17
